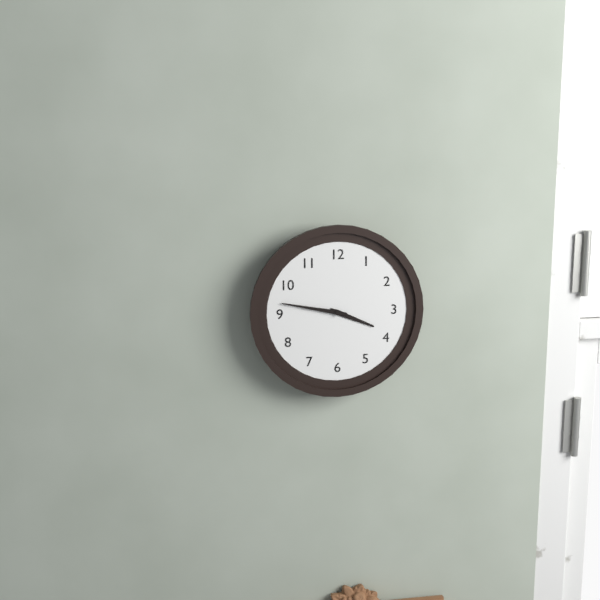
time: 3:47
